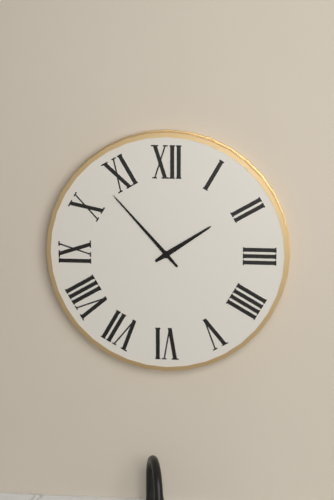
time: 1:53
